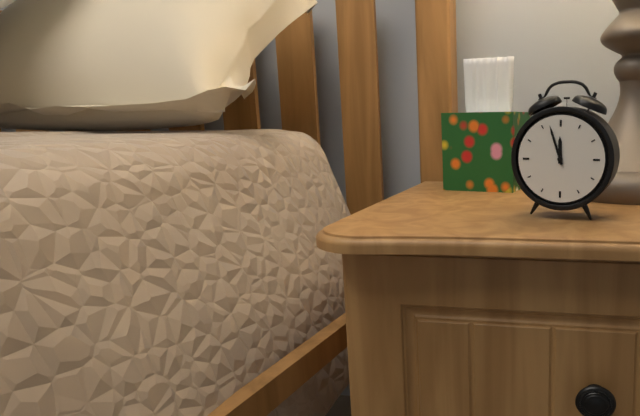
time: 11:57
